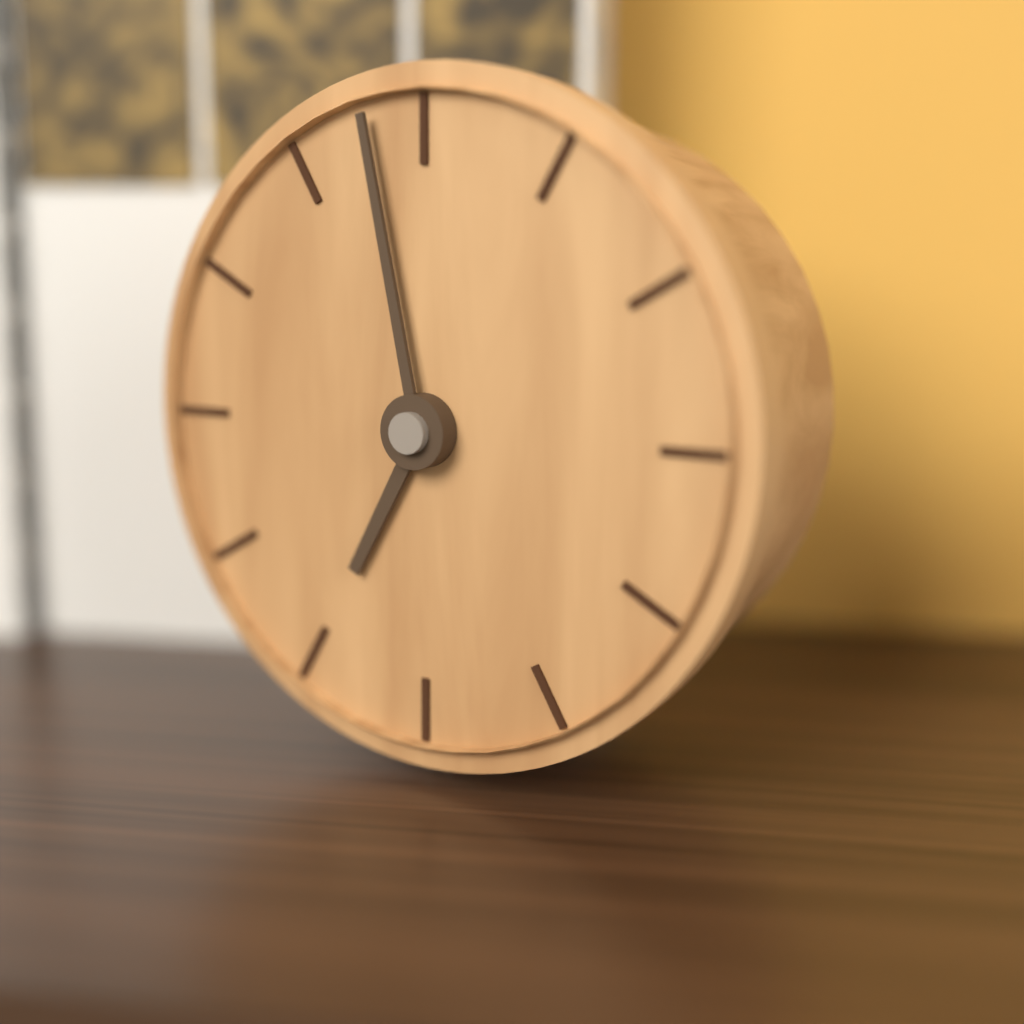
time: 6:58
